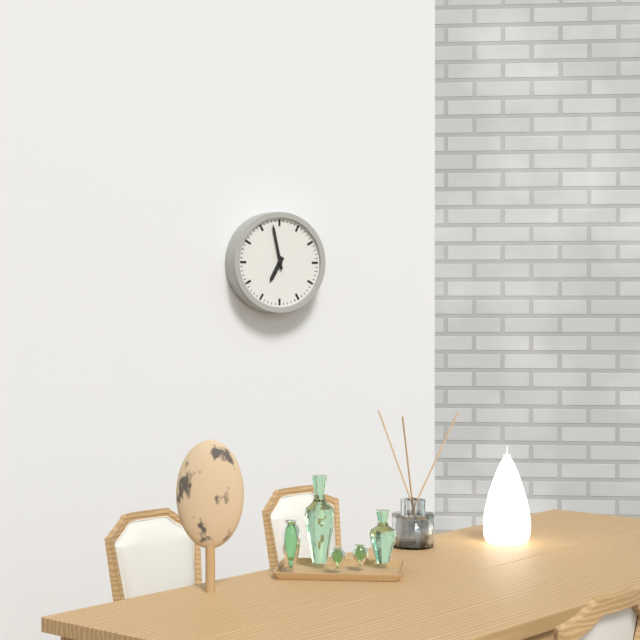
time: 6:58
